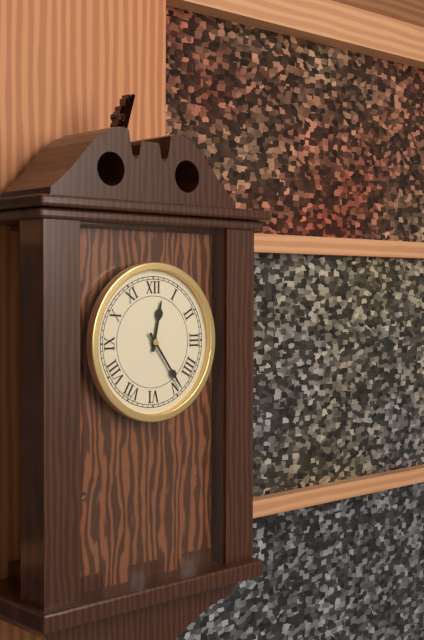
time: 12:24
